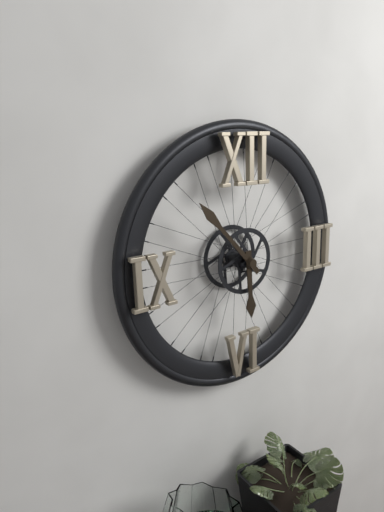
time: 5:53
